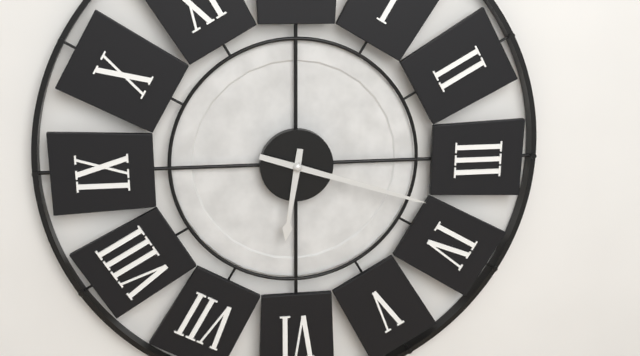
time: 6:18
